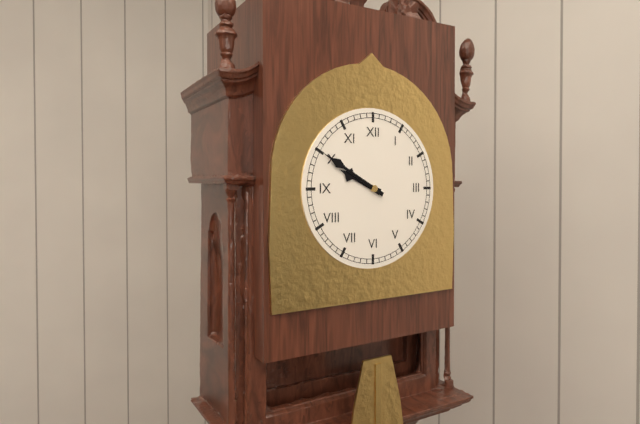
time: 9:50
